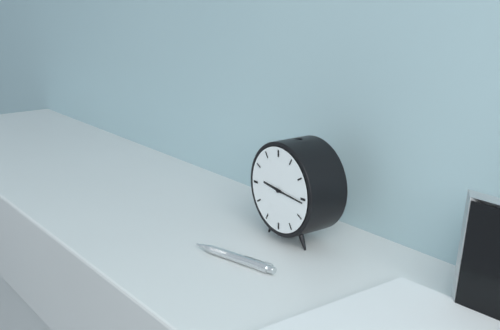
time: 9:16
